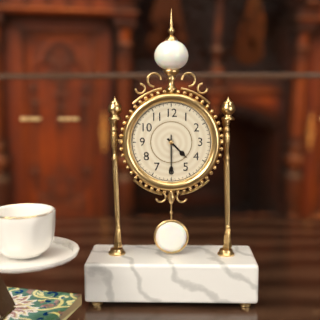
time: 4:30
